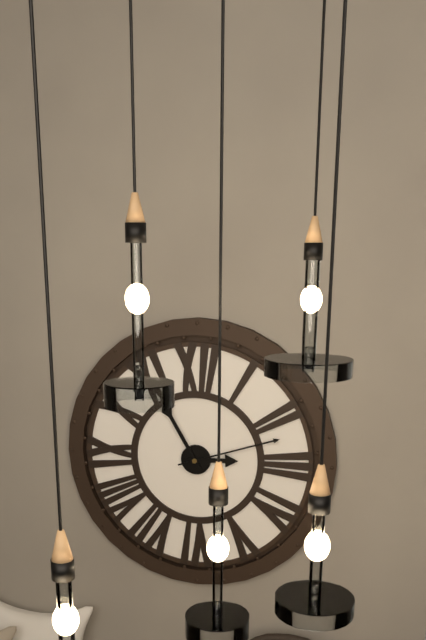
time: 2:55:12
